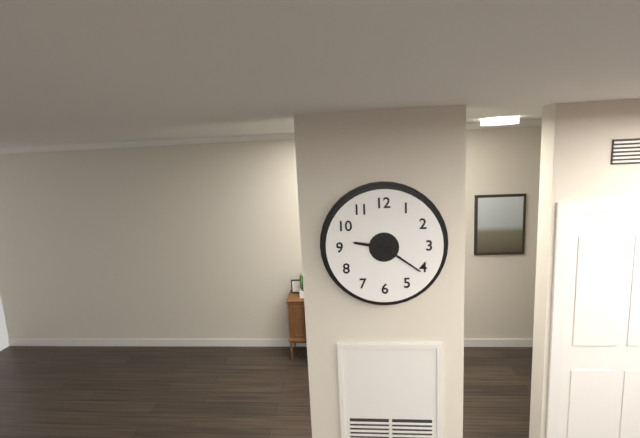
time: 9:21
